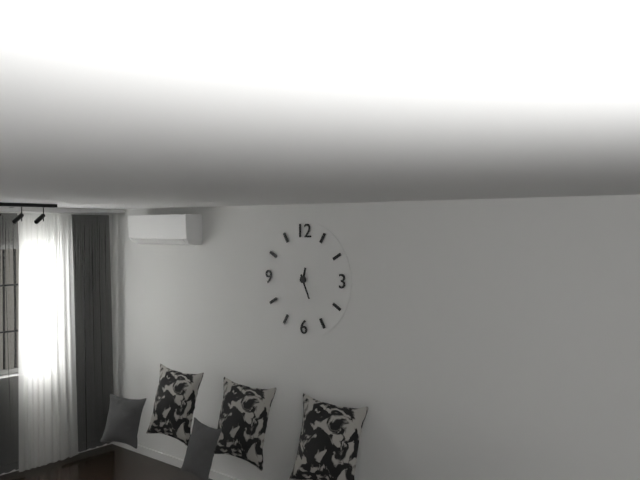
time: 12:26
